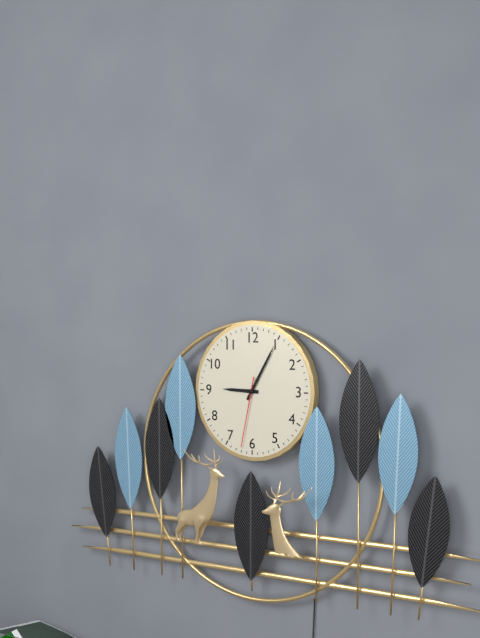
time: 9:05:32
